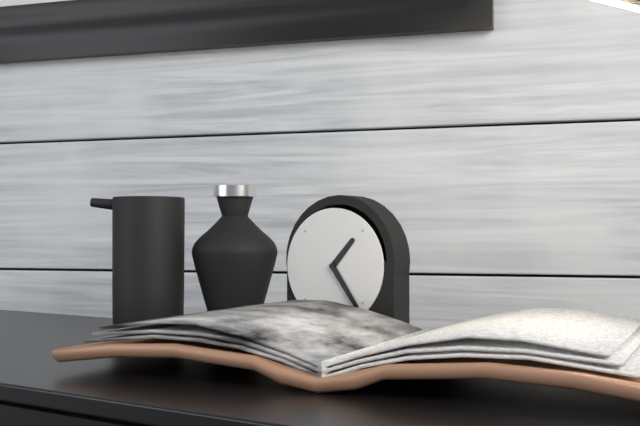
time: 1:24
